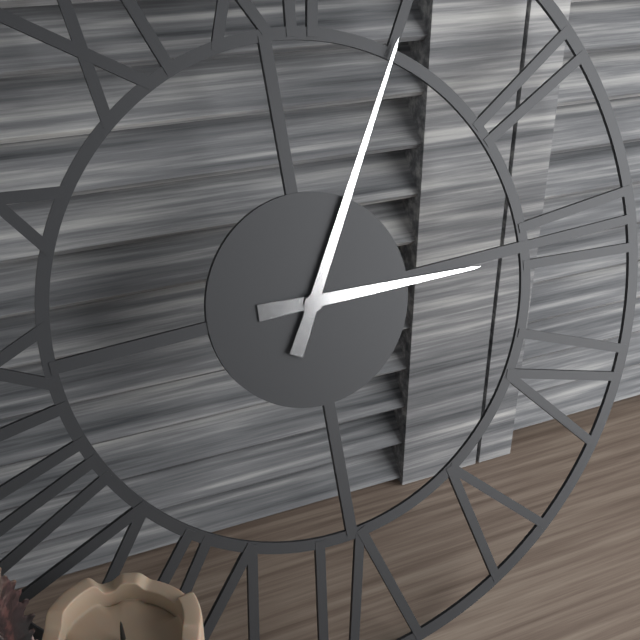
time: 3:05
